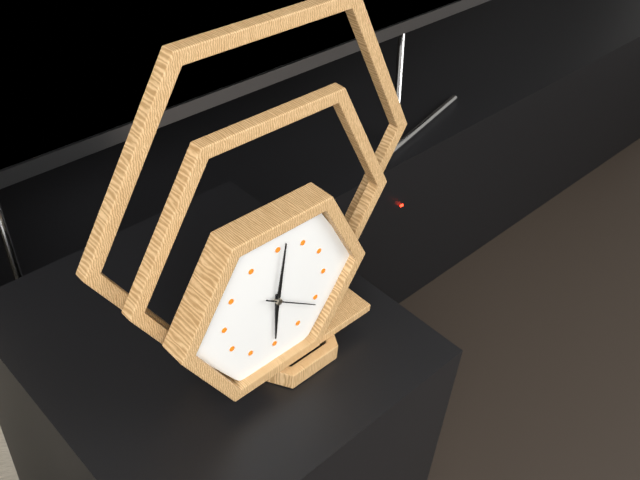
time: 6:01:21
